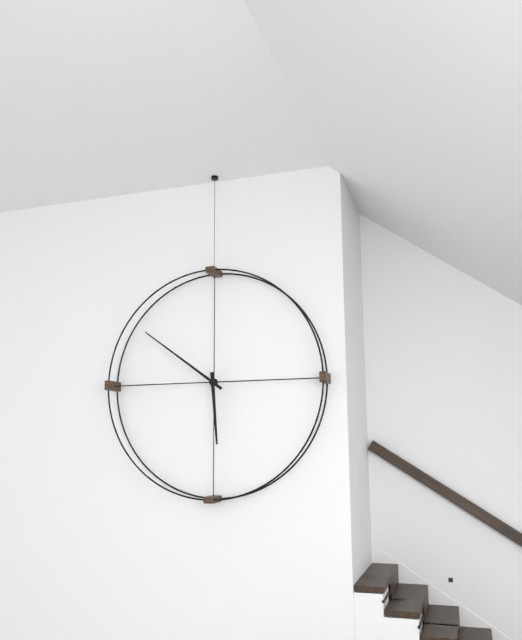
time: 5:51
